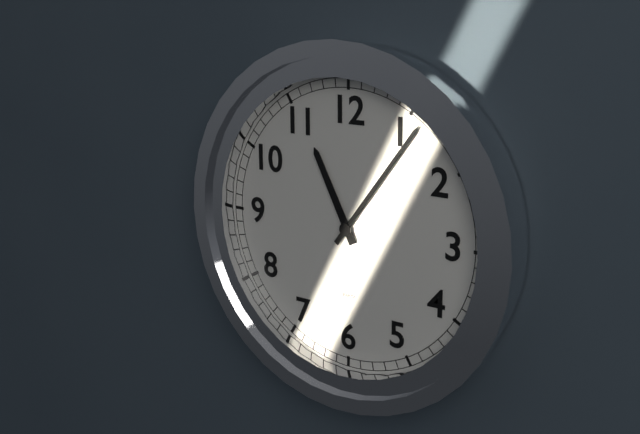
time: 11:06
